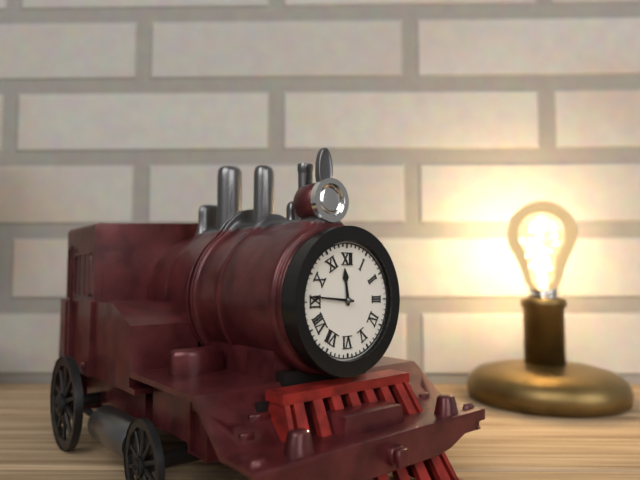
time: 11:46
